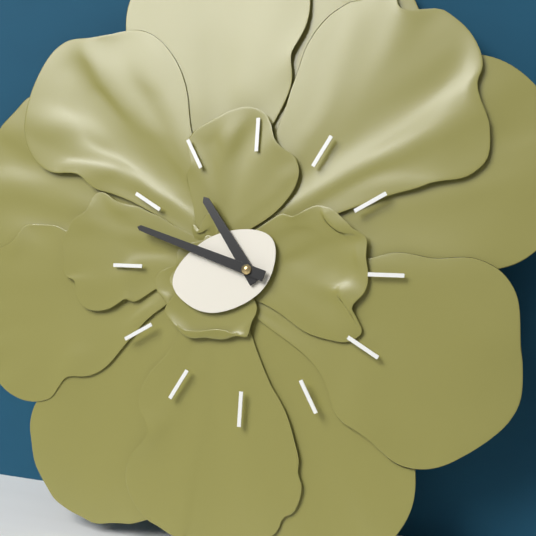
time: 10:48
